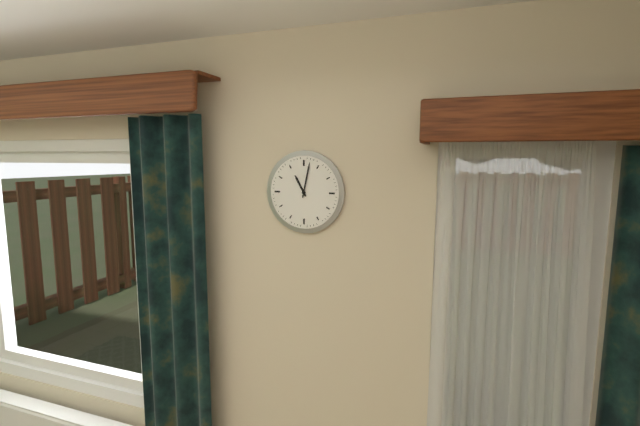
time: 11:02
